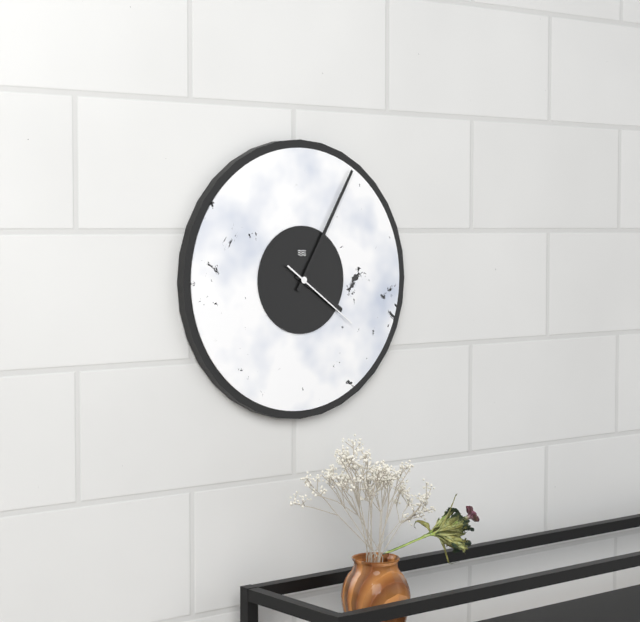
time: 4:05:21
